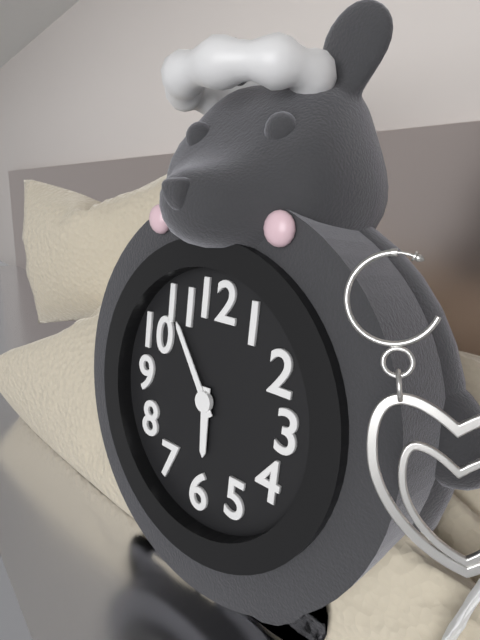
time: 5:54
